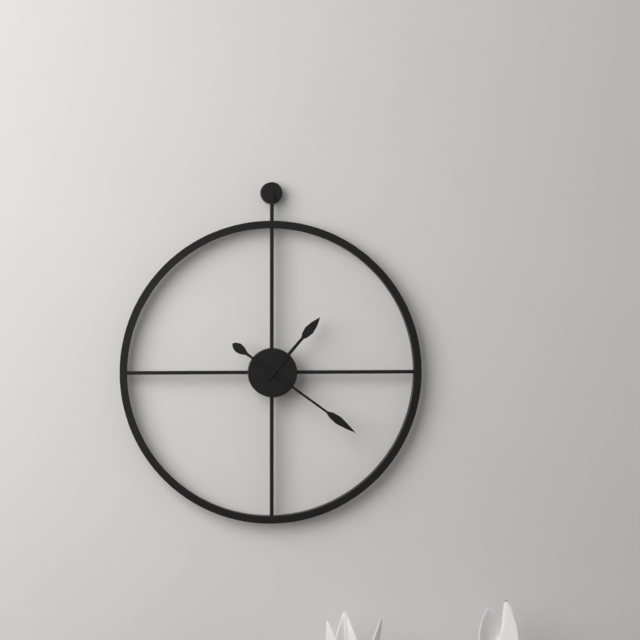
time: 1:21
